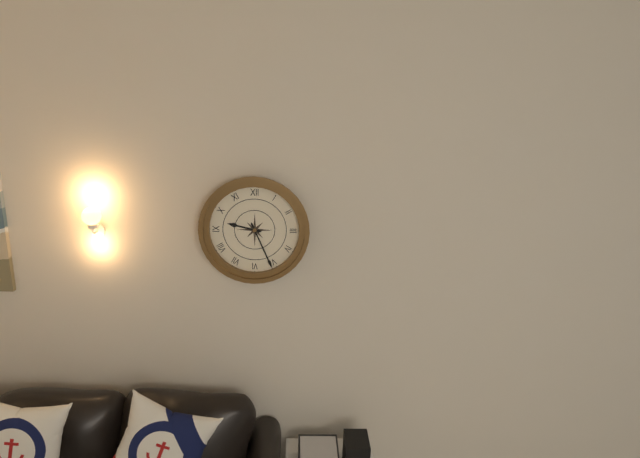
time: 9:26
